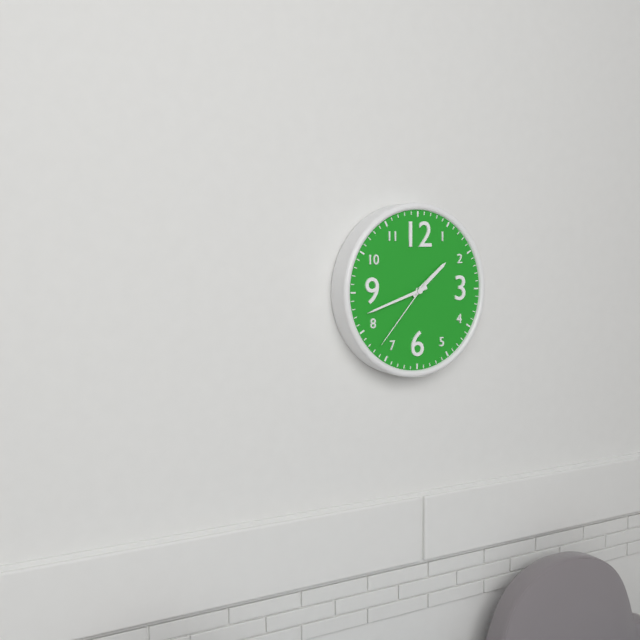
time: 1:42:37
